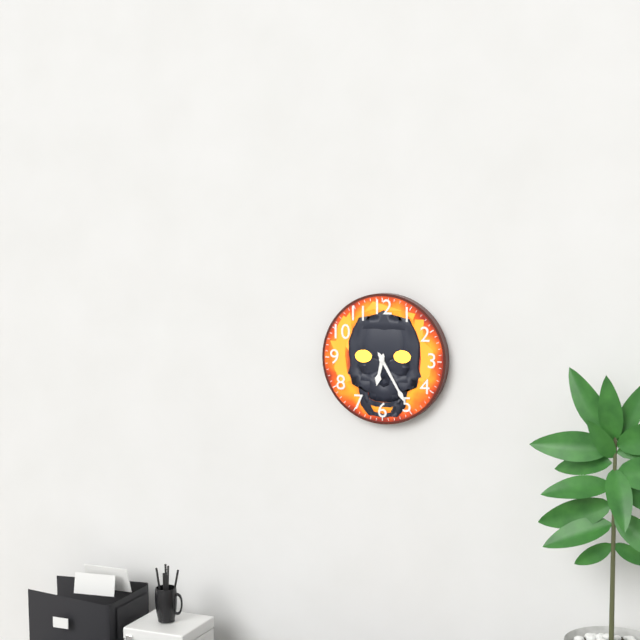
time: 6:25
